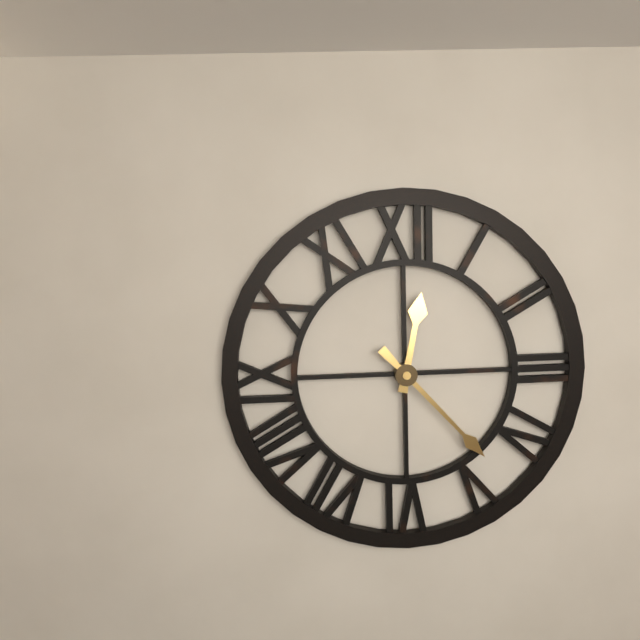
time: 12:23
